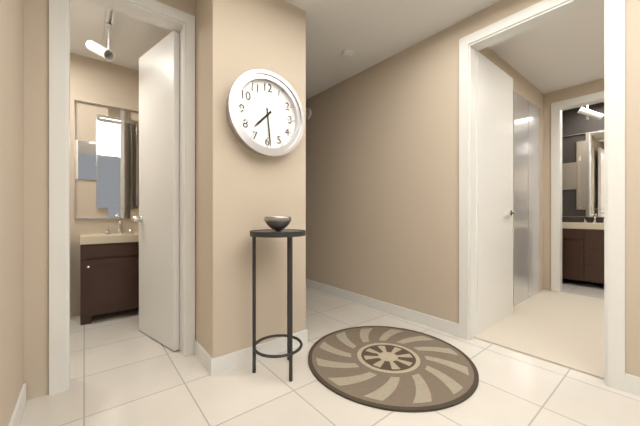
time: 7:29
